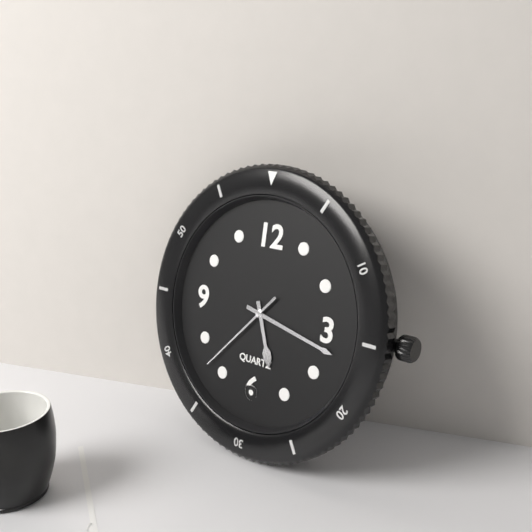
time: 5:17:37
